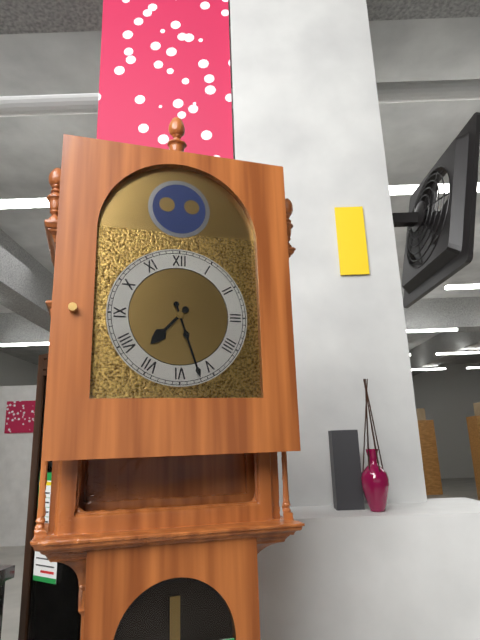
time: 7:27
